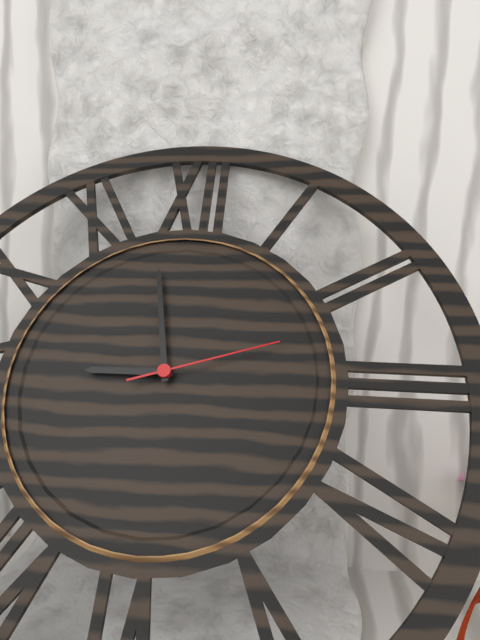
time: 8:58:12
